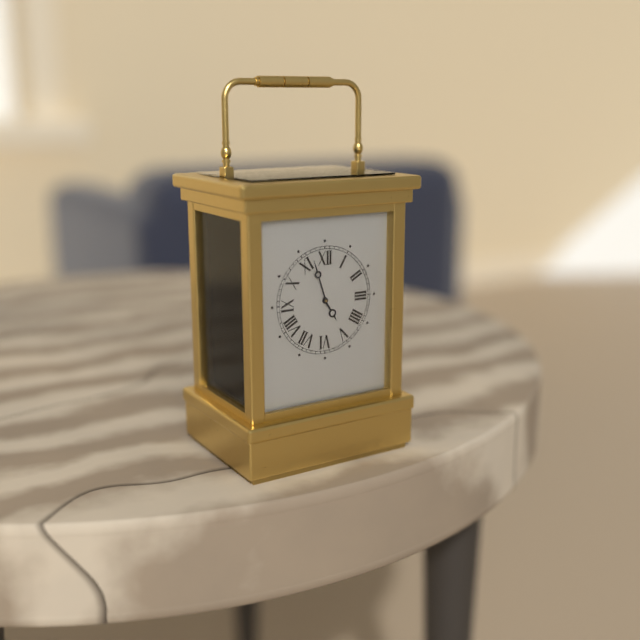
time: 4:57
